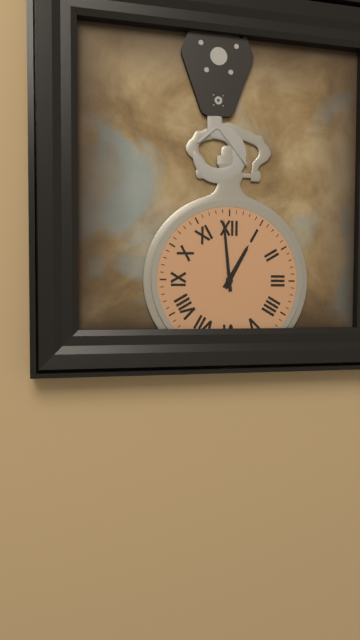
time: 12:59
